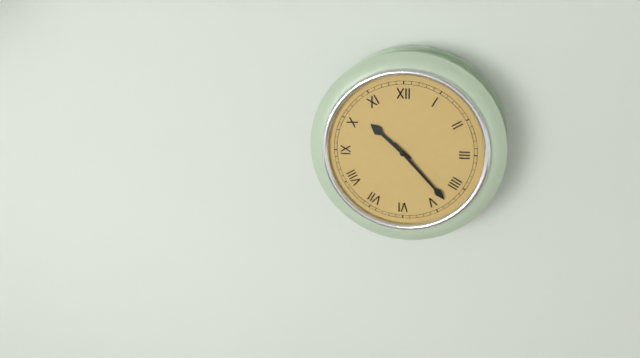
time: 10:23
